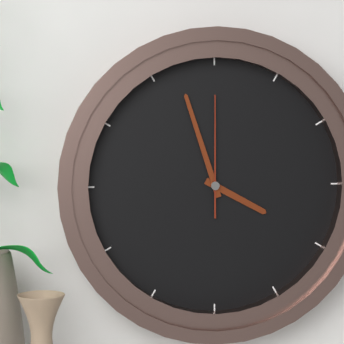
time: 3:57:00
